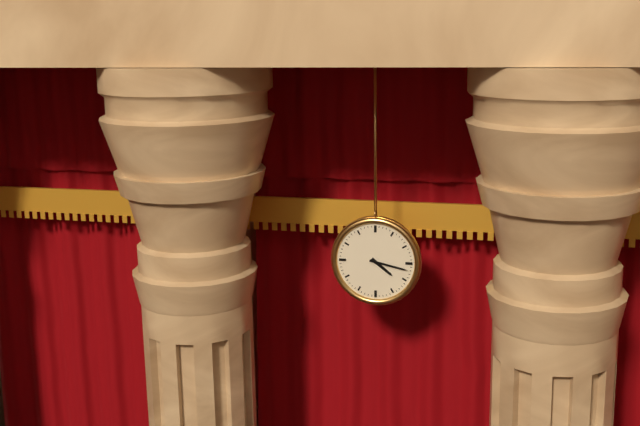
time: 4:17
